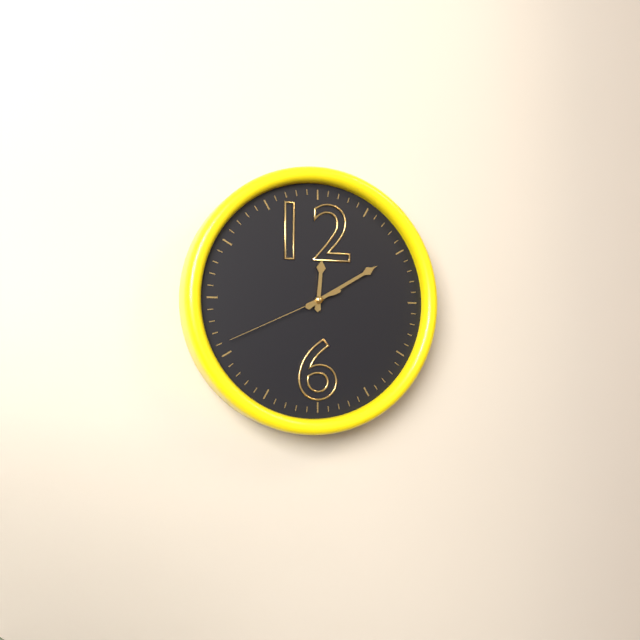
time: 12:10:41
